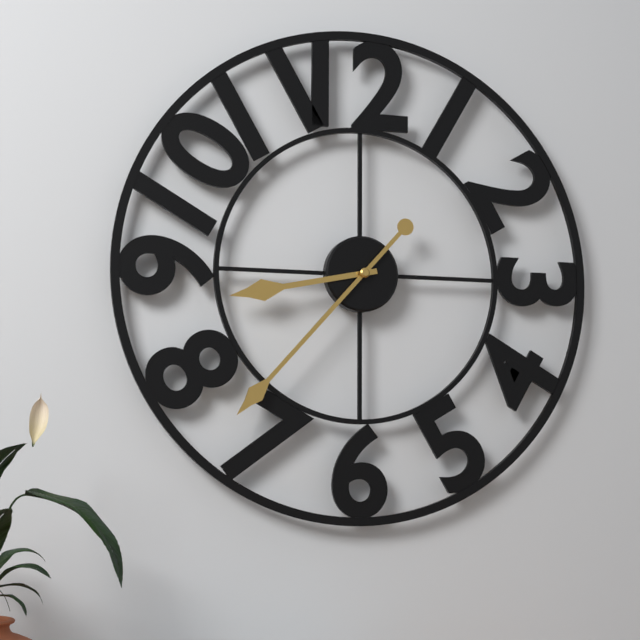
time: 8:37
